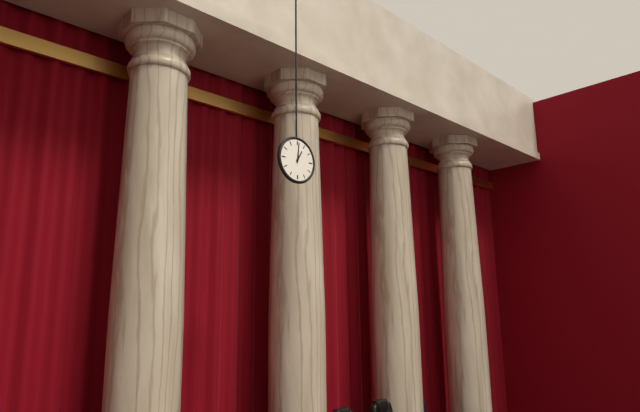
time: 1:01
